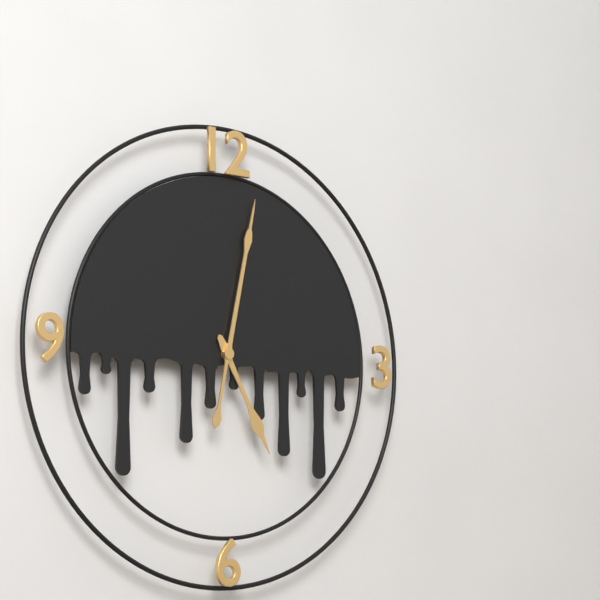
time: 5:02
